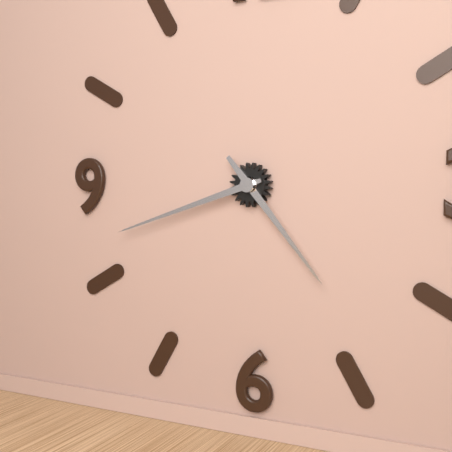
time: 4:42
